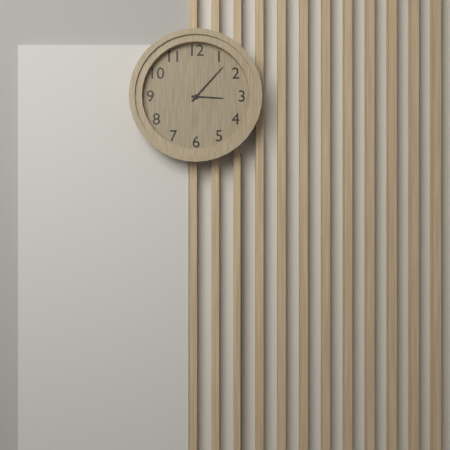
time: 3:07
